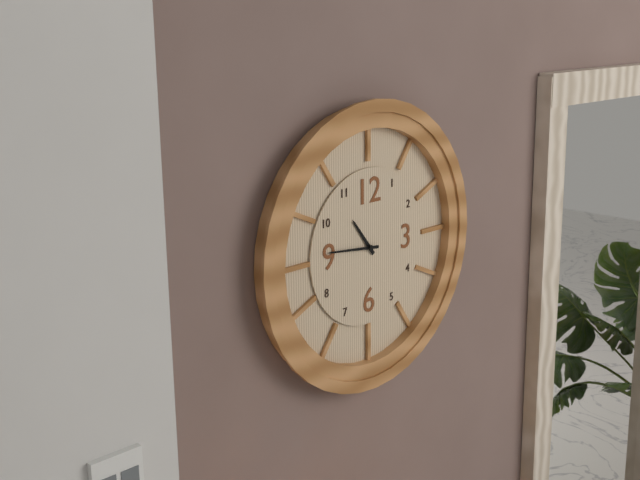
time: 10:46
